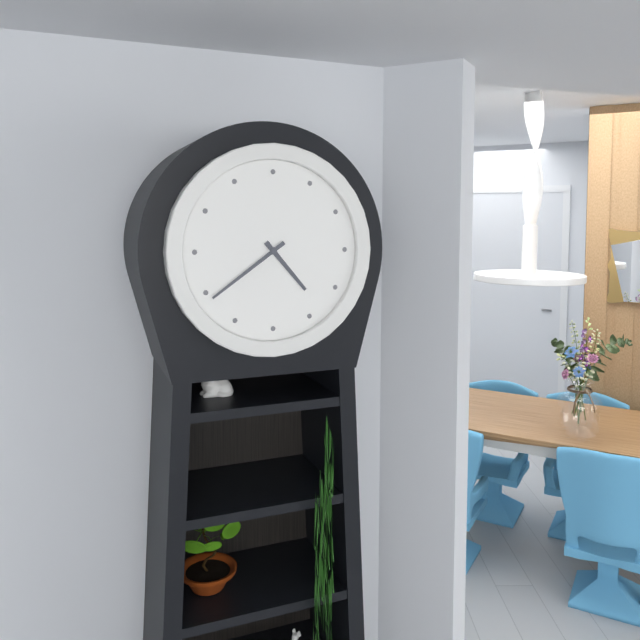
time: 4:39
